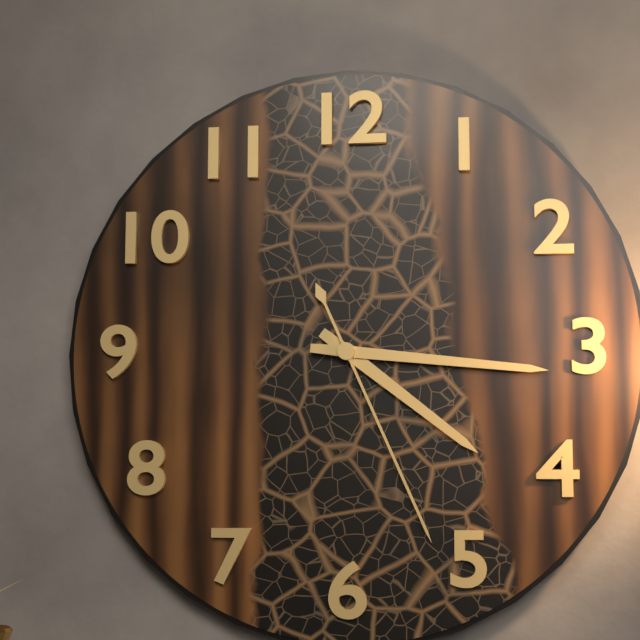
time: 4:16:26
